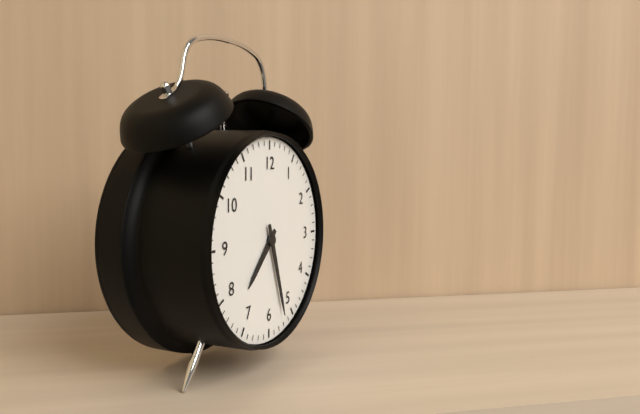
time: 7:27
